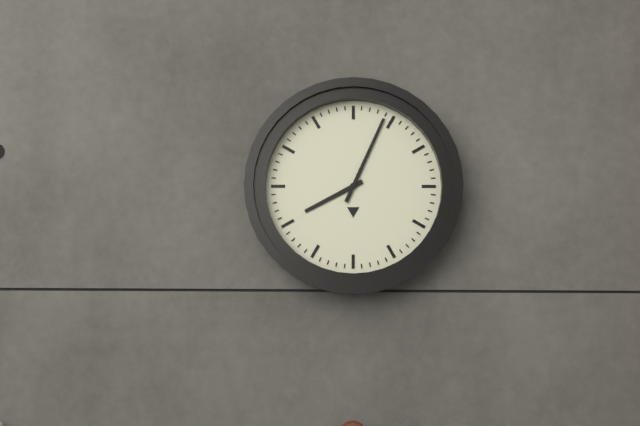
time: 8:04
